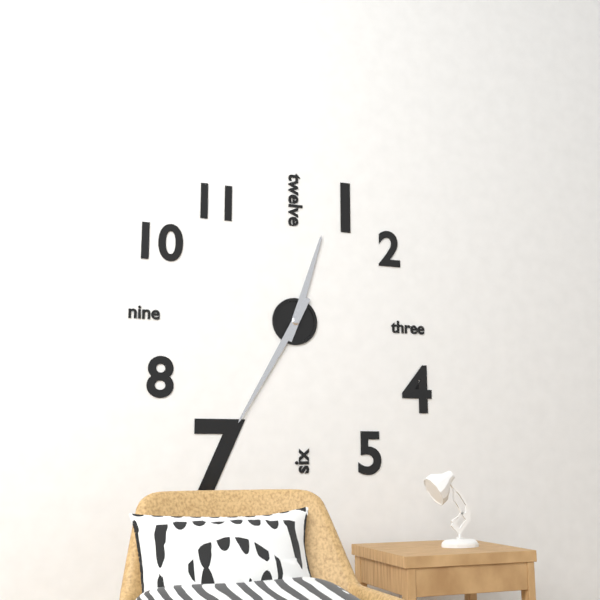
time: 12:35
